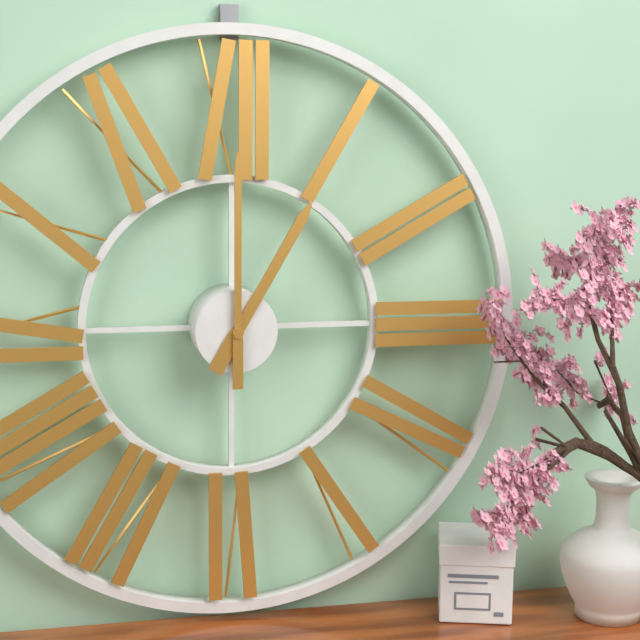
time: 1:00
